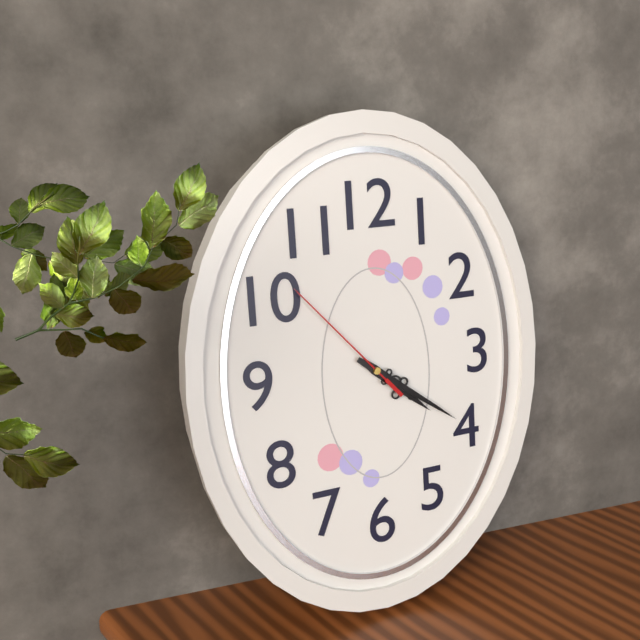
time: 4:21:53
